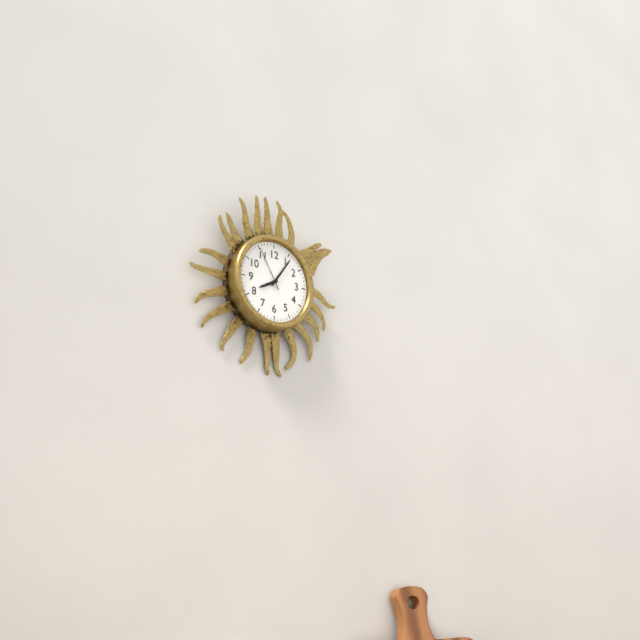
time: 8:06
